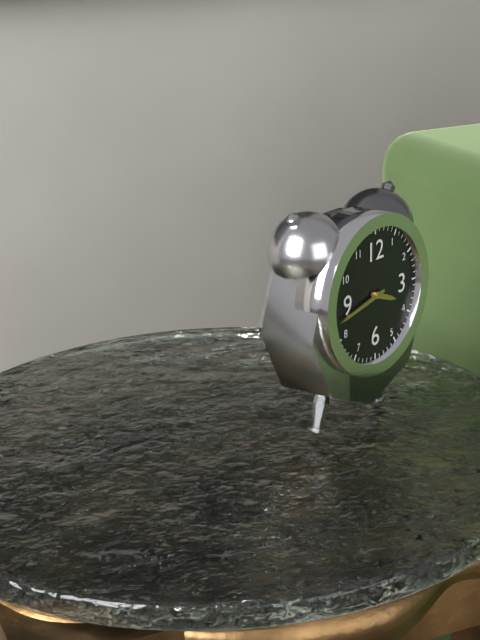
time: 3:43
